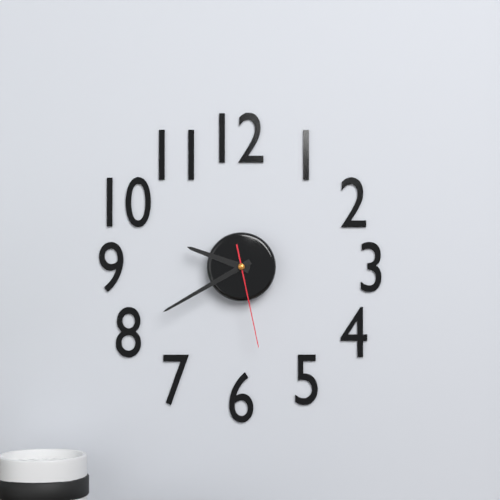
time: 9:40:28
